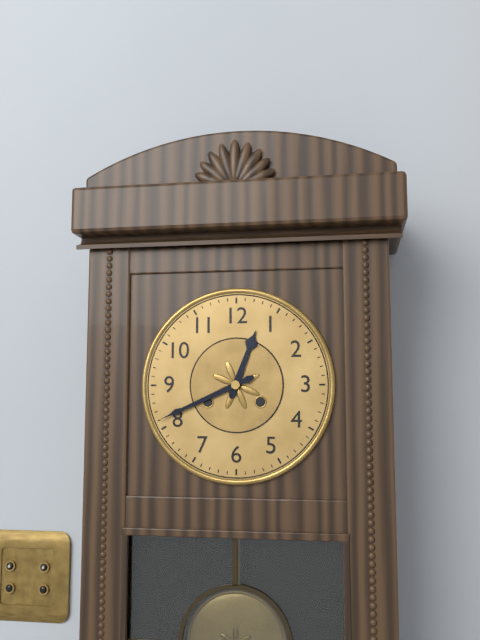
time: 12:41
